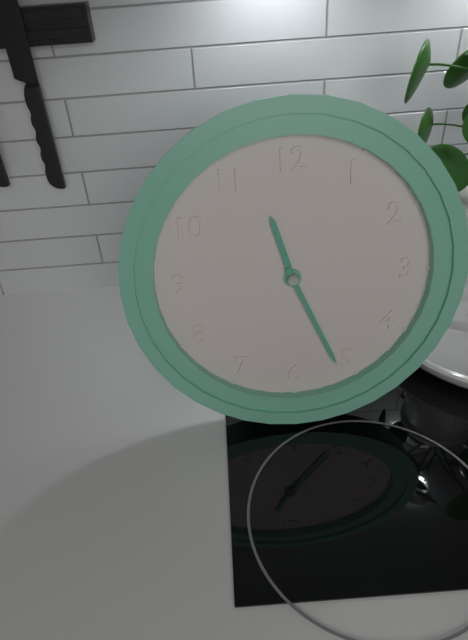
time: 11:26
